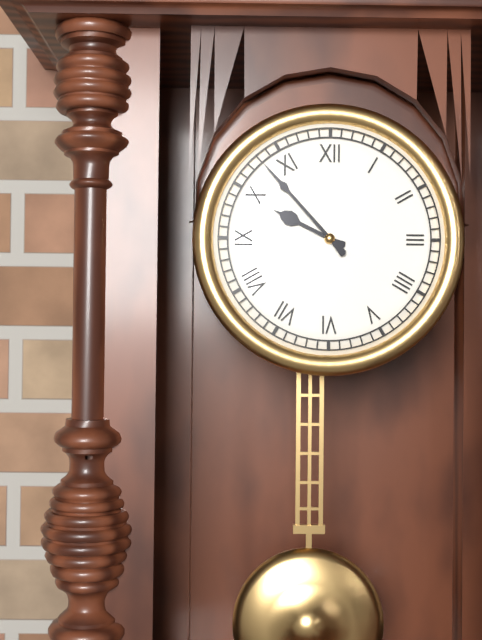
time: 9:53
